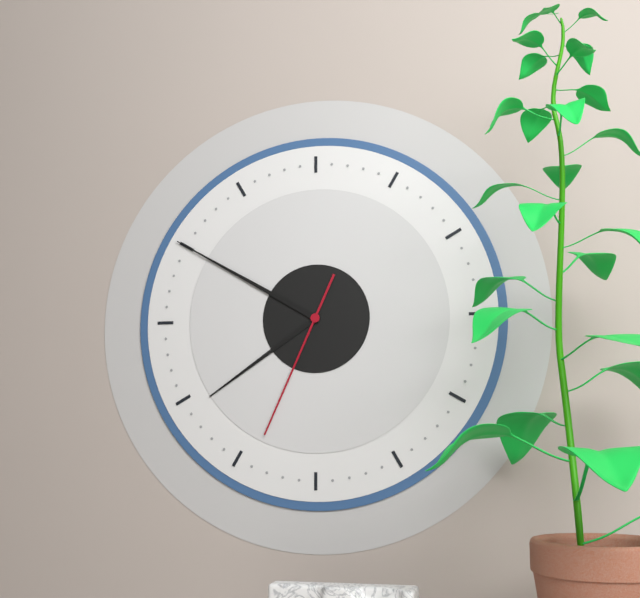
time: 7:50:34
